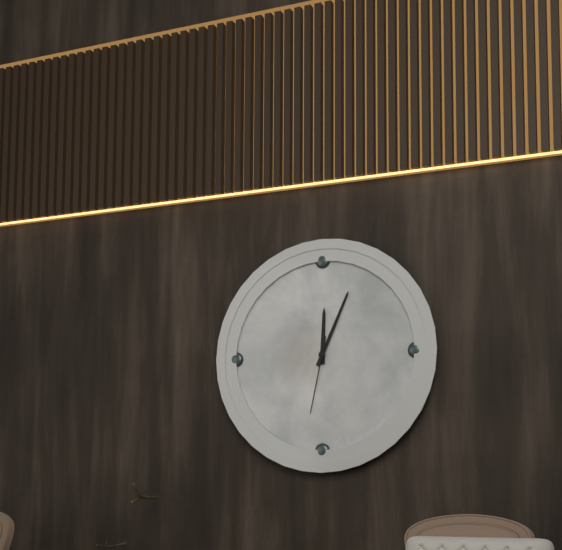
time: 12:04:32
